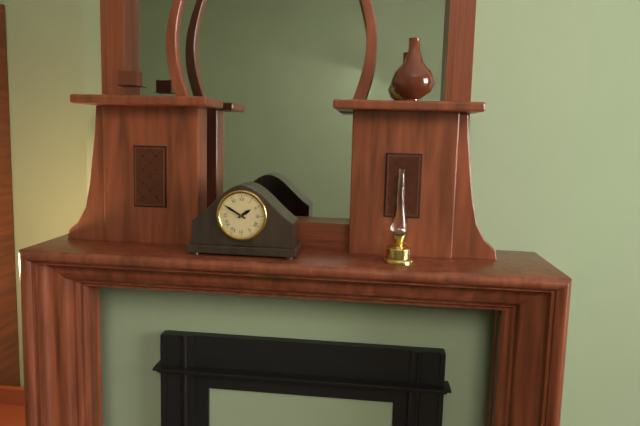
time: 1:50
